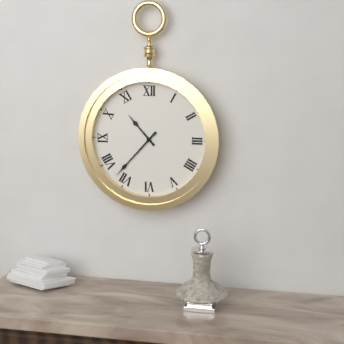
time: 10:37
